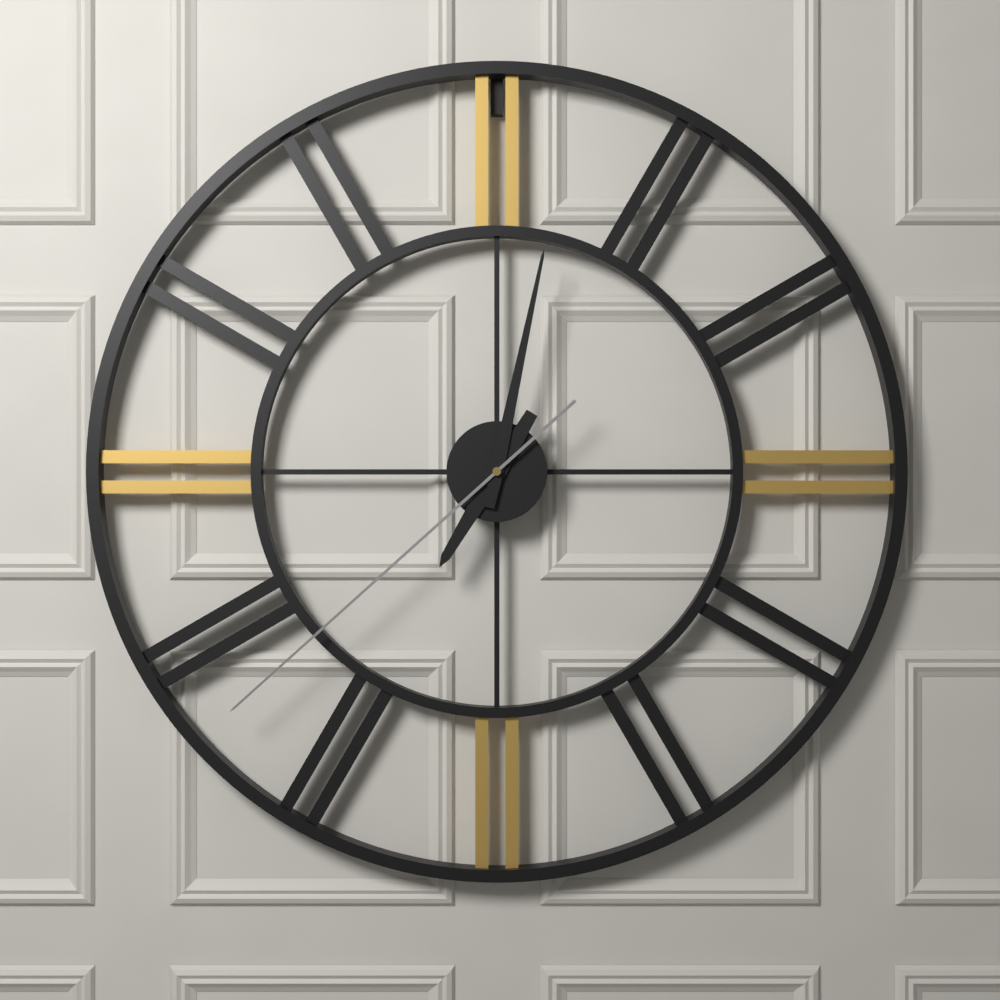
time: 7:02:38
